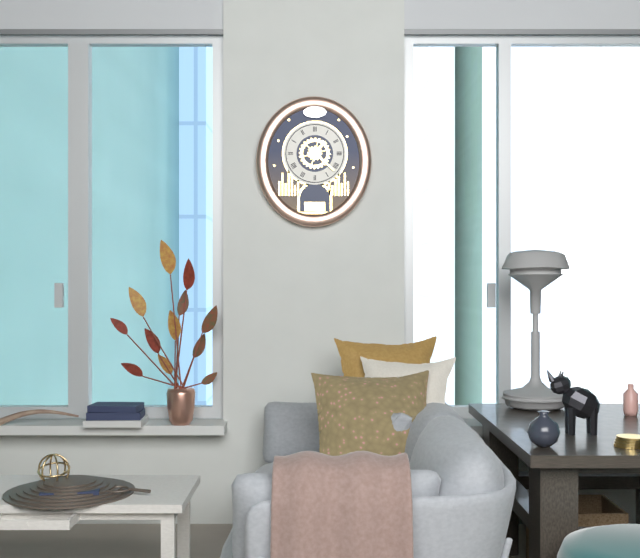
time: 1:22
